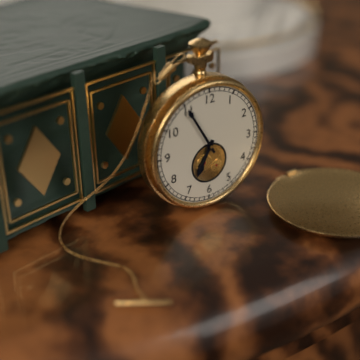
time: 6:55
